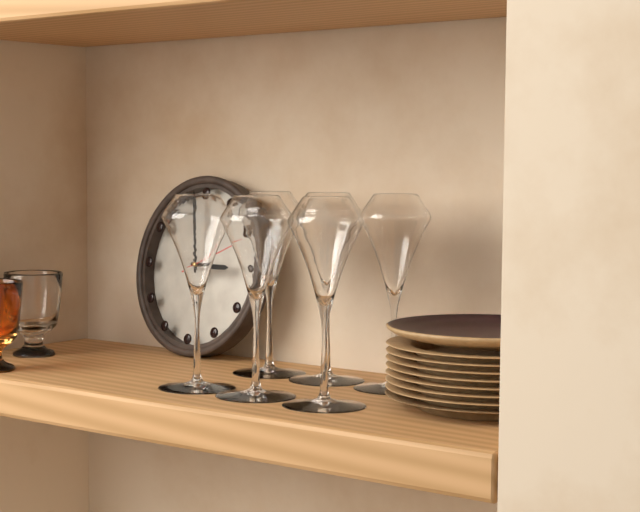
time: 2:58:11
